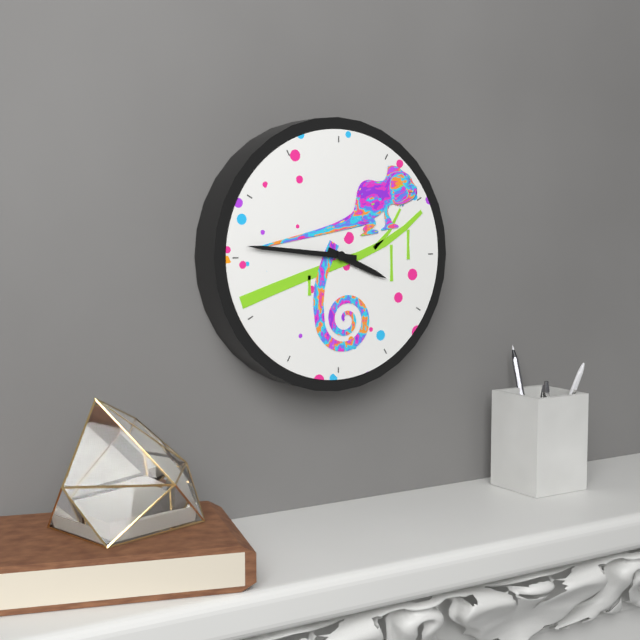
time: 3:46
